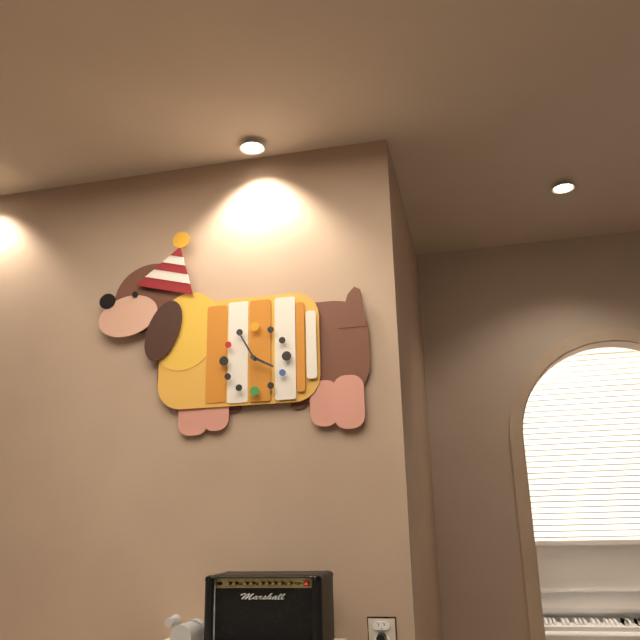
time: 3:55
